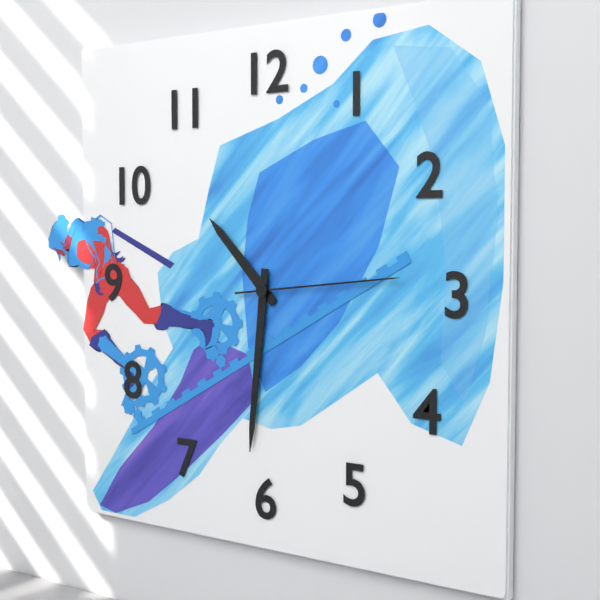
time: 10:31:14
